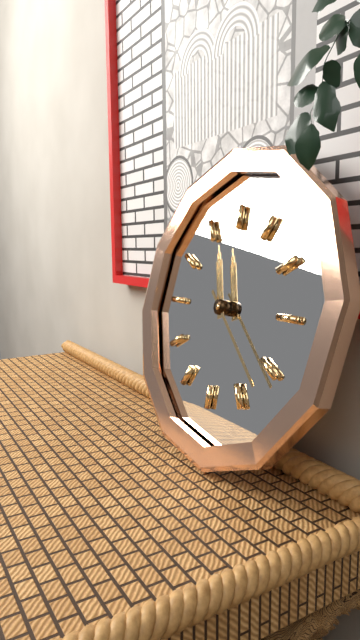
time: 11:22
